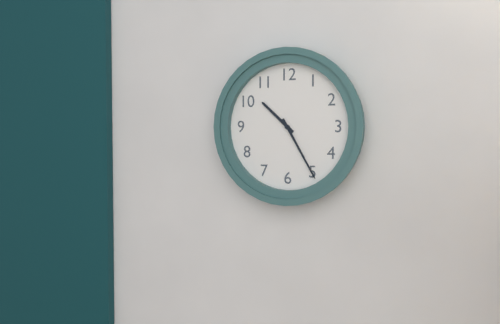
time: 10:25
